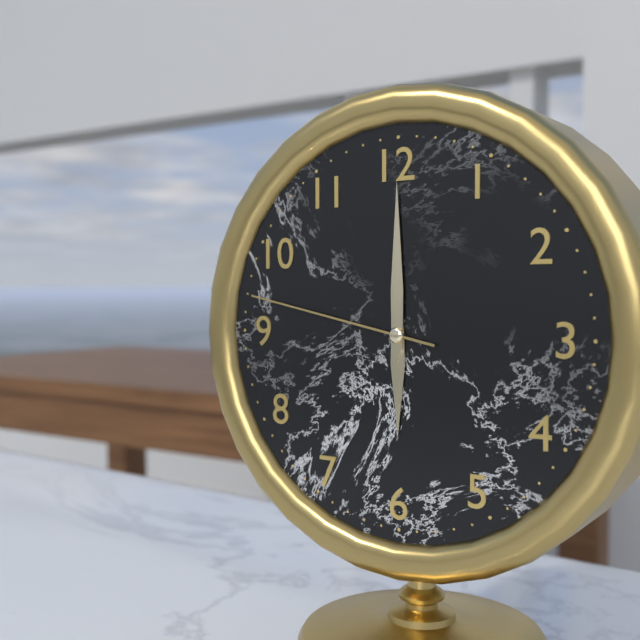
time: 6:00:47
